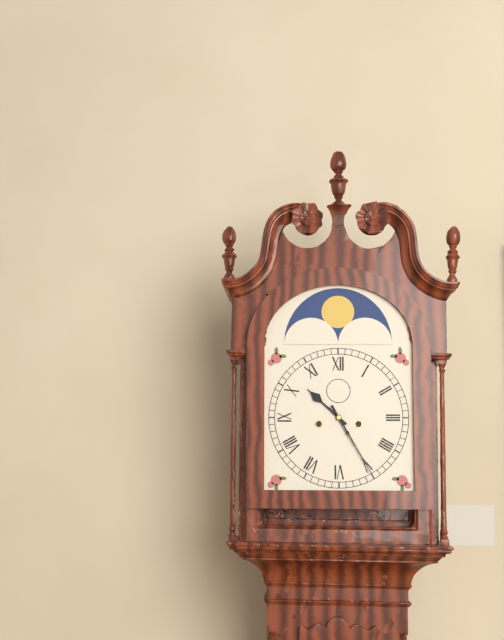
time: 10:25
